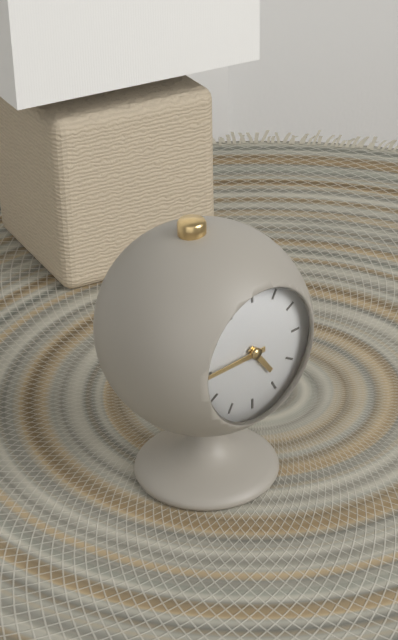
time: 4:45
